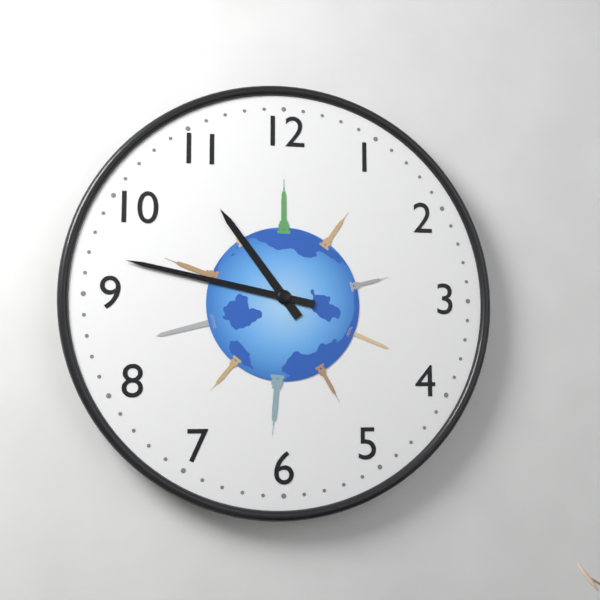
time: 10:47
